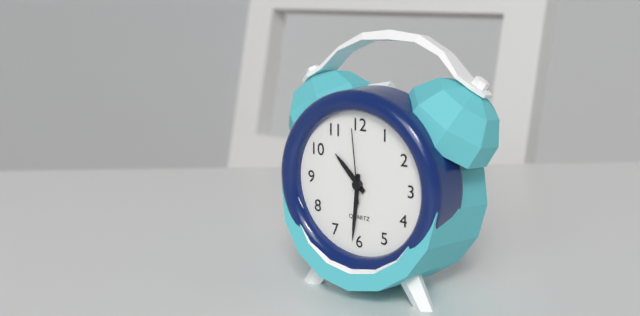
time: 10:31:59
